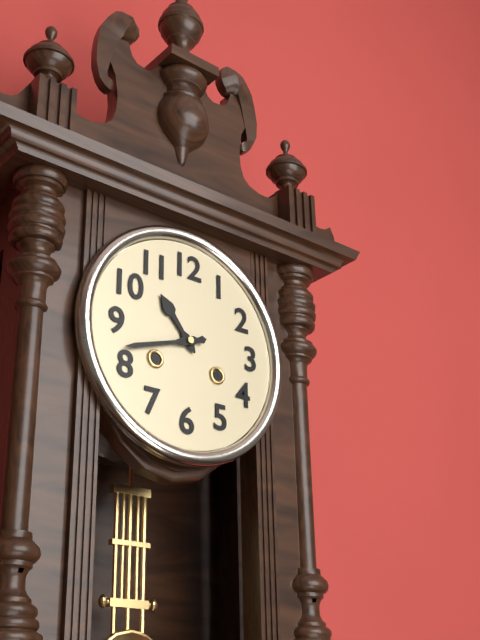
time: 10:42
